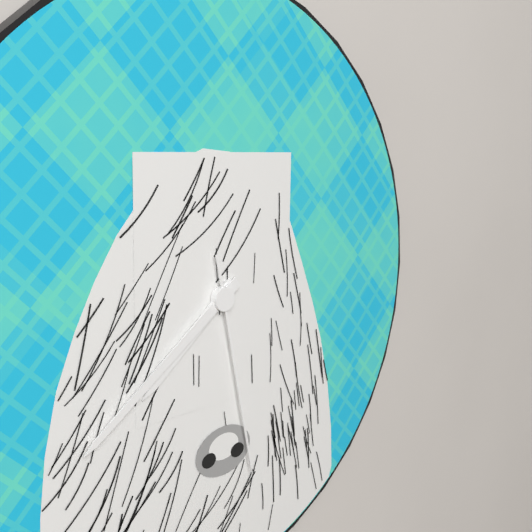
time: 7:39:28
